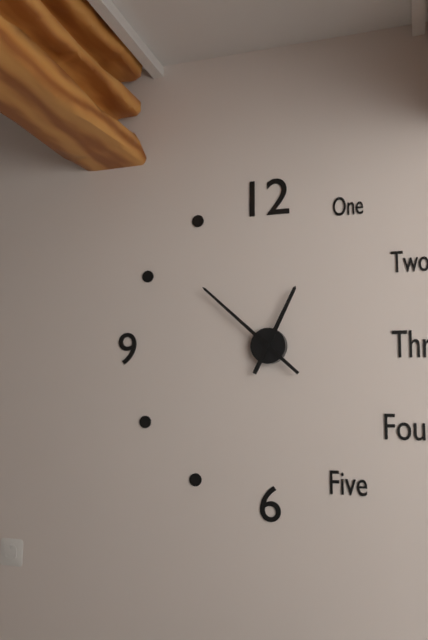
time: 12:52
